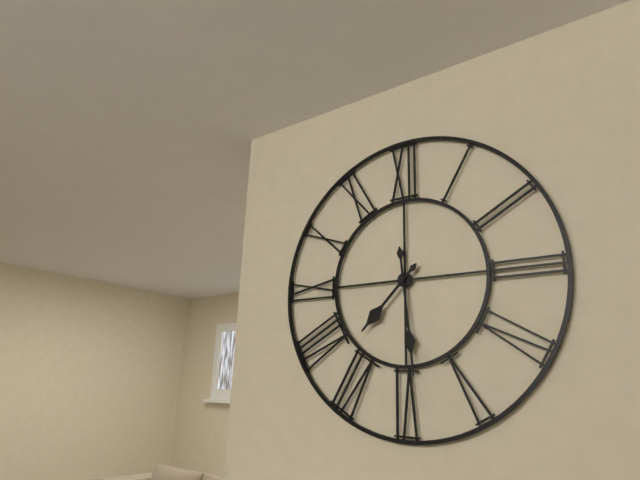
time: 7:29
